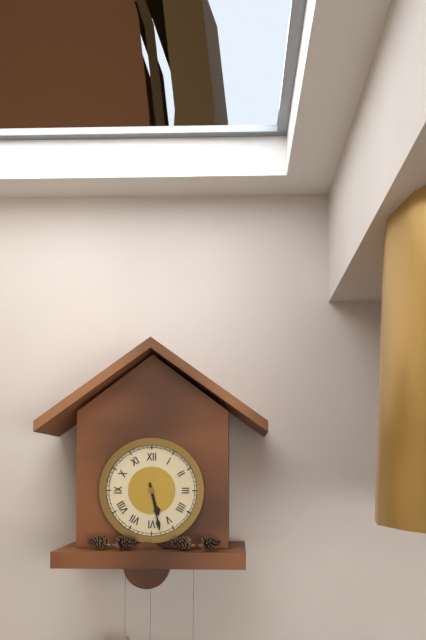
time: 5:28
